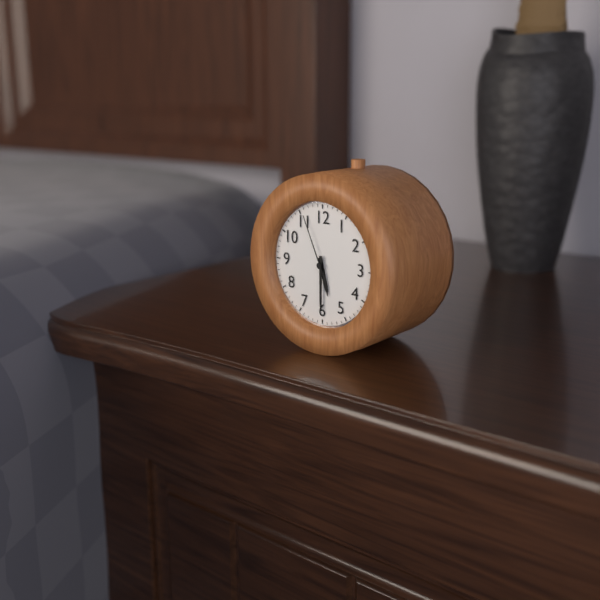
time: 5:30:56
